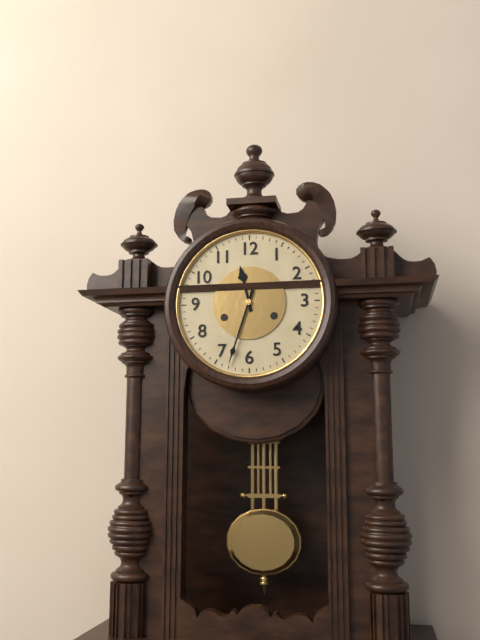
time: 11:33
